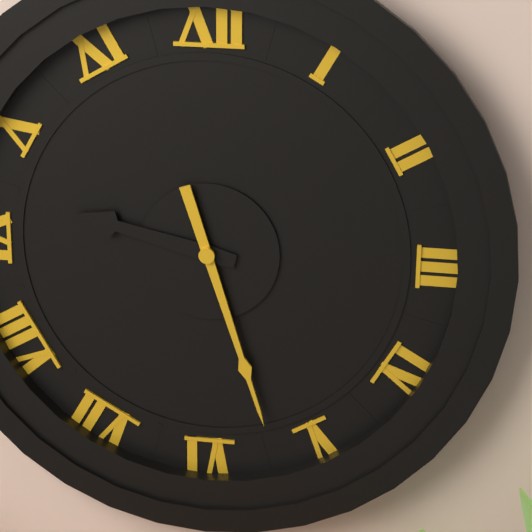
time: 9:27
